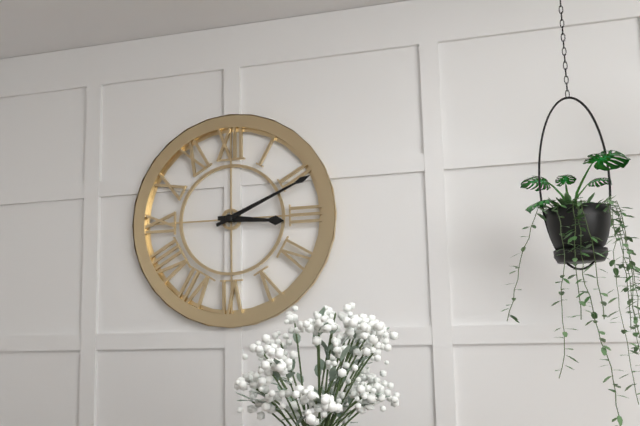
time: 3:11
